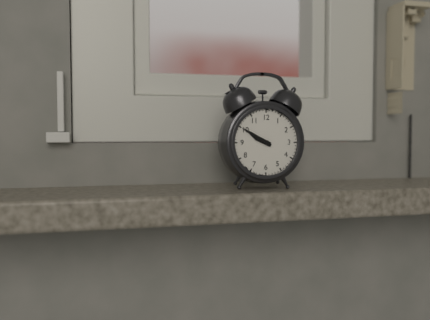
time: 9:50
